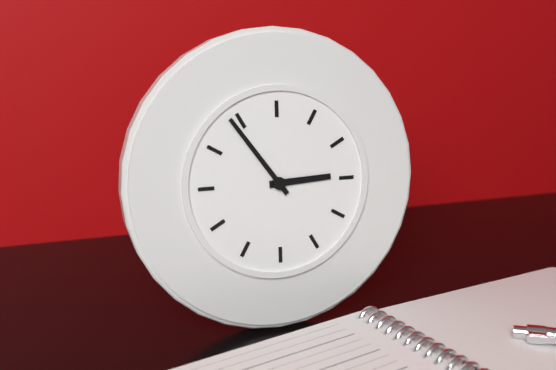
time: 2:54
